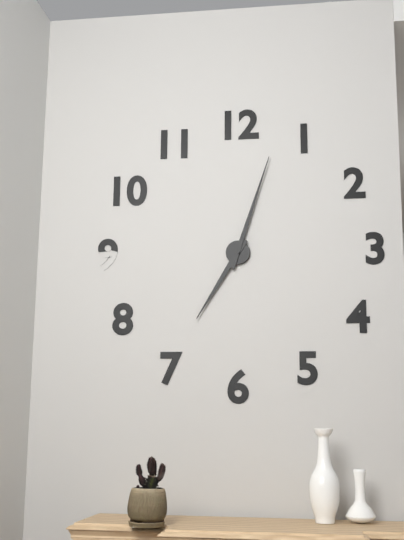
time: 7:03
